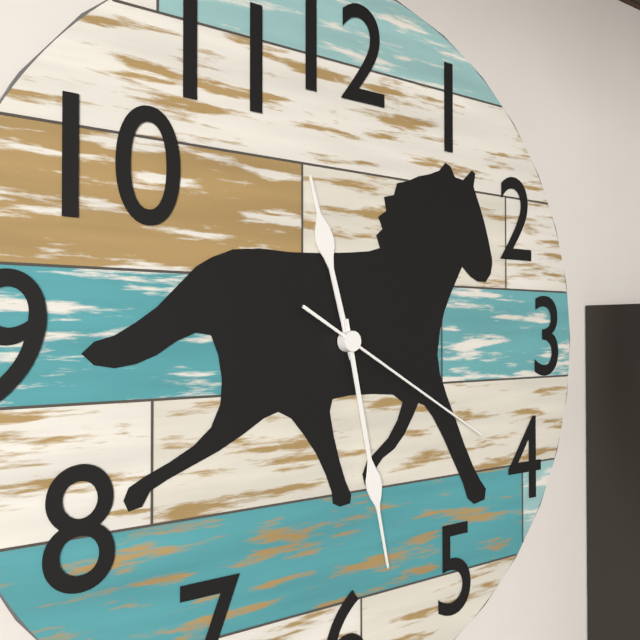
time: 11:28:20
